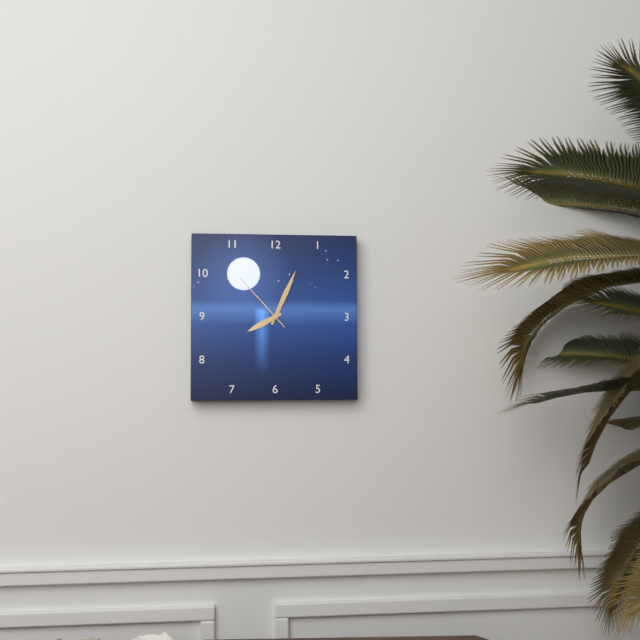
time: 8:04:53
